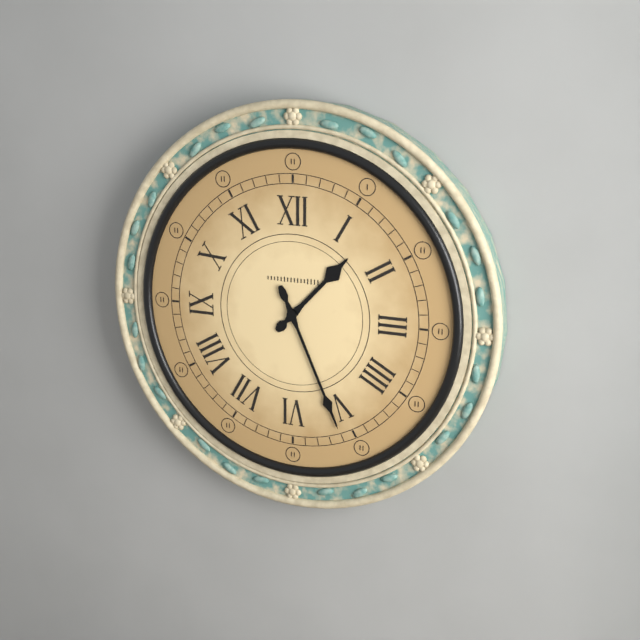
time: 1:26
